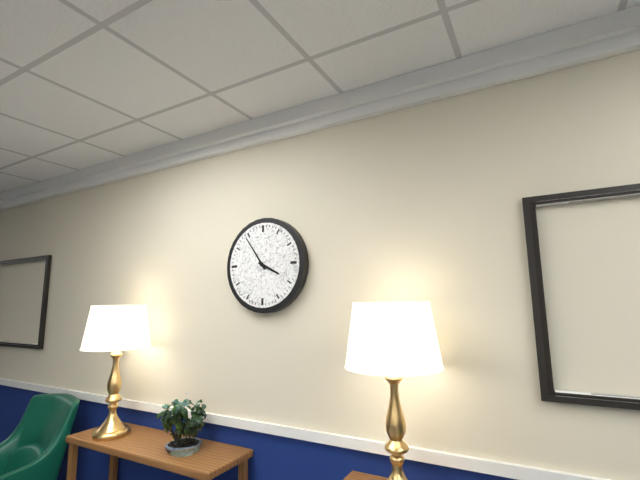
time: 3:54
